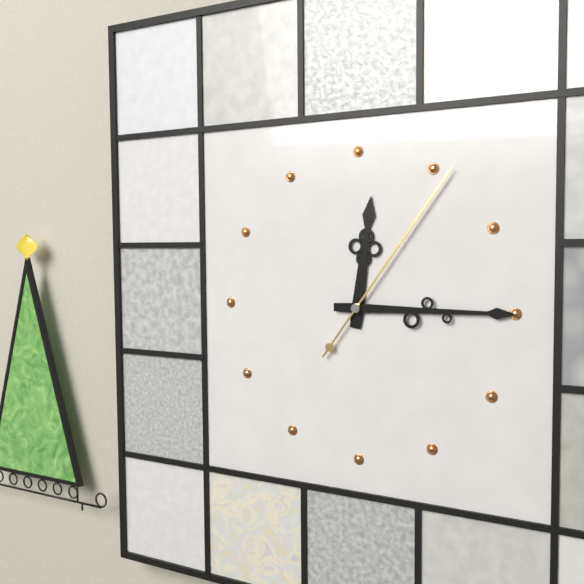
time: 12:15:06
